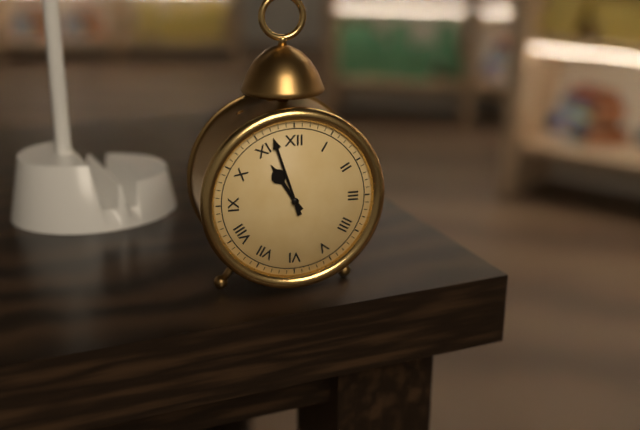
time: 10:57
